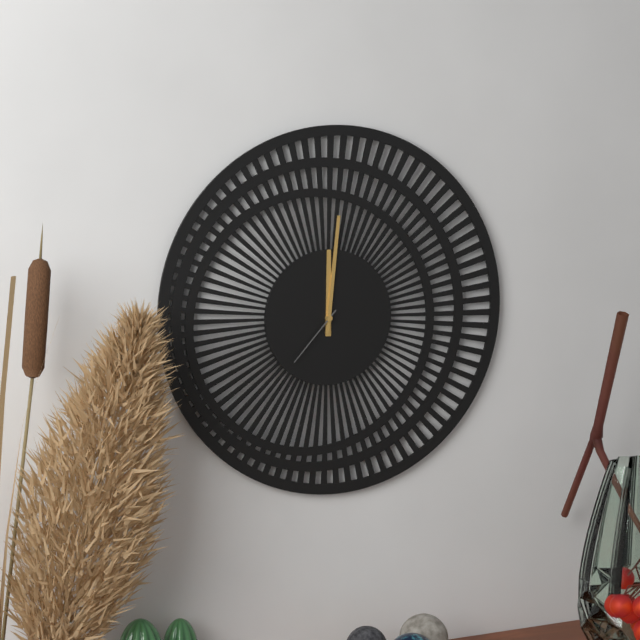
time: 12:01:37
